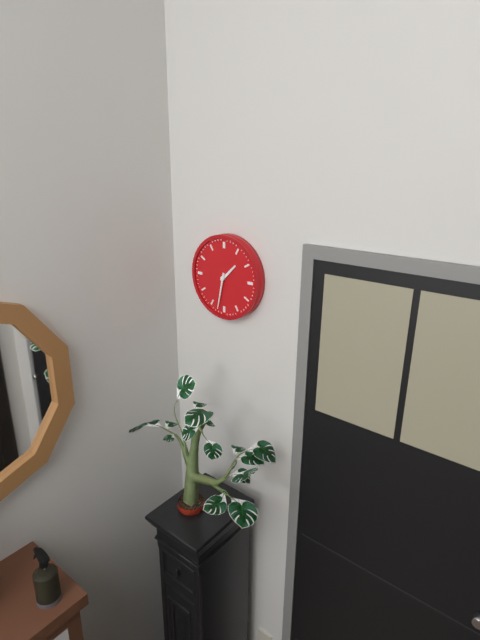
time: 1:32
